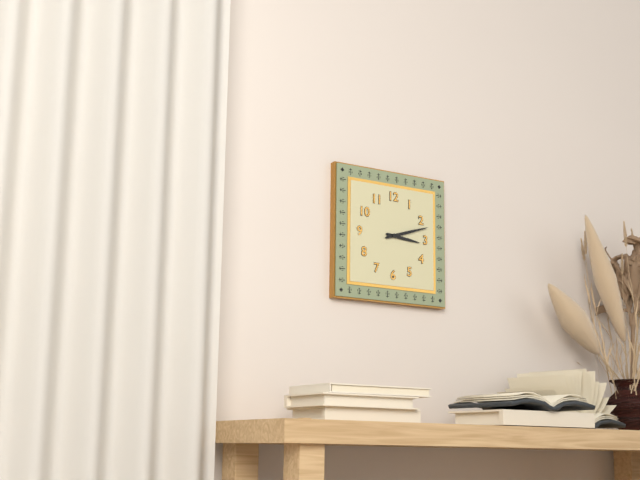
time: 3:12
